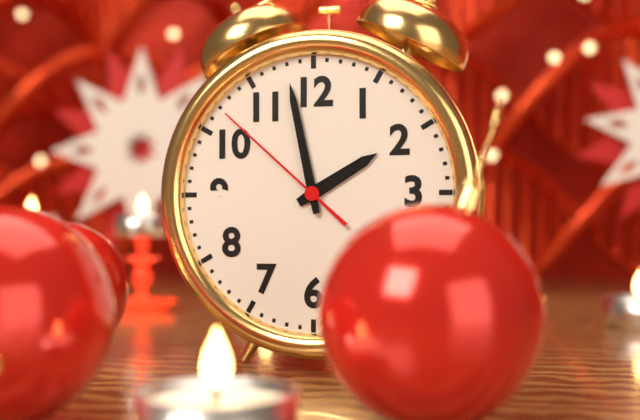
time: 1:58:52
